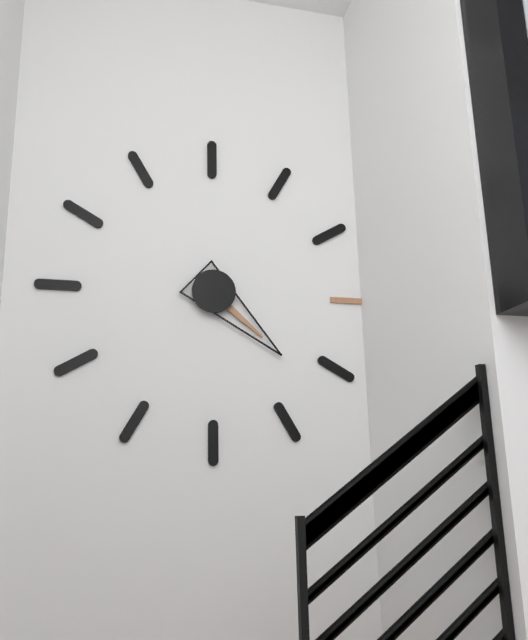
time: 4:22
